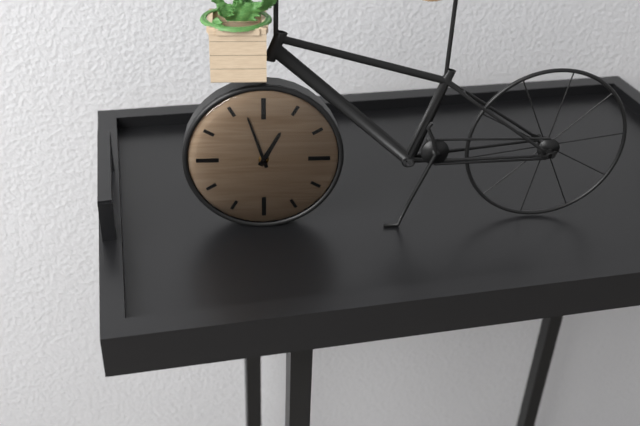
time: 12:57
